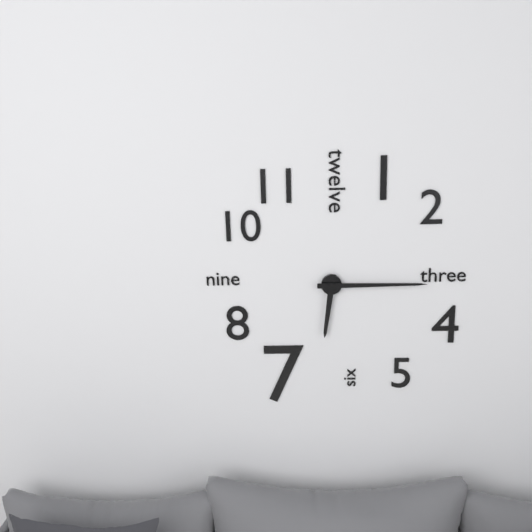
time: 6:15
